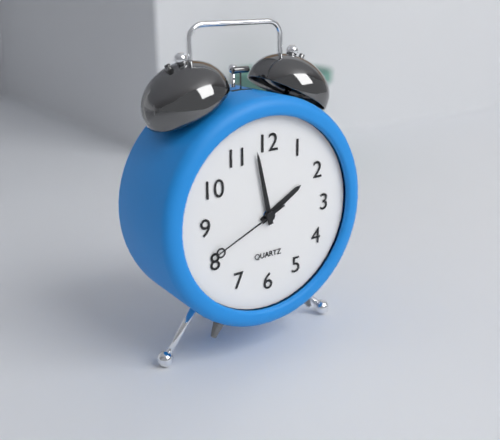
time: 1:58:41
